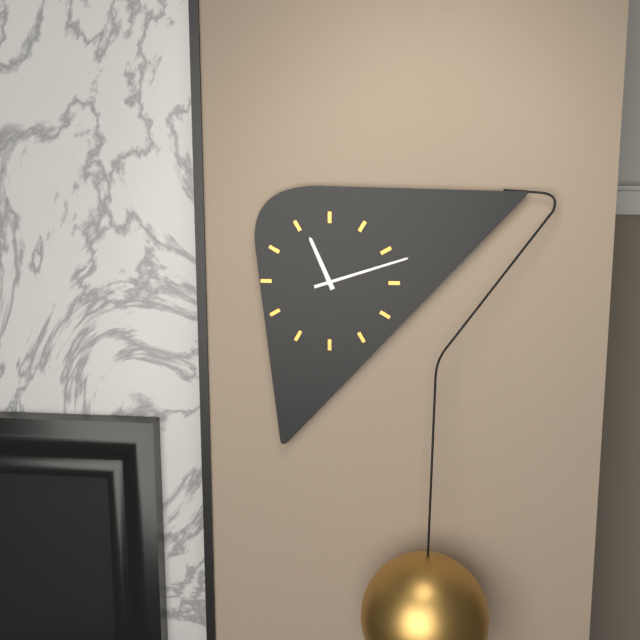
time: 11:12
